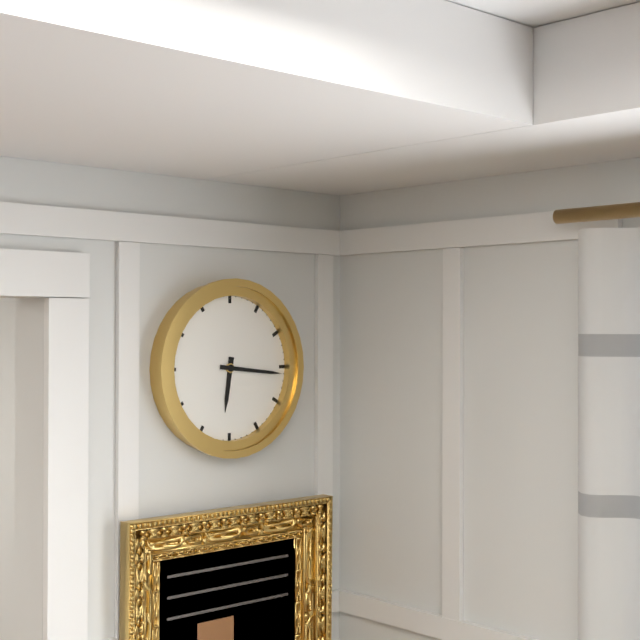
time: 6:16
